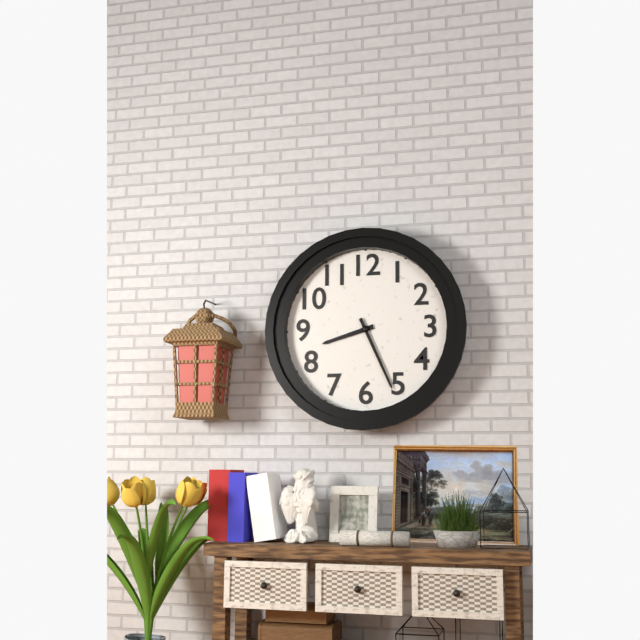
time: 8:26
